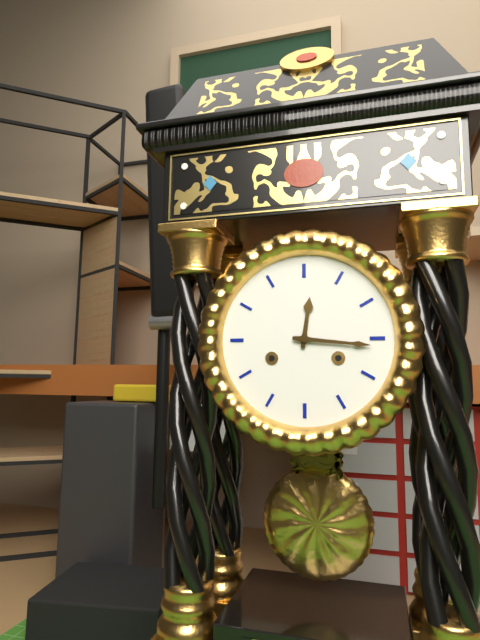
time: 12:16
